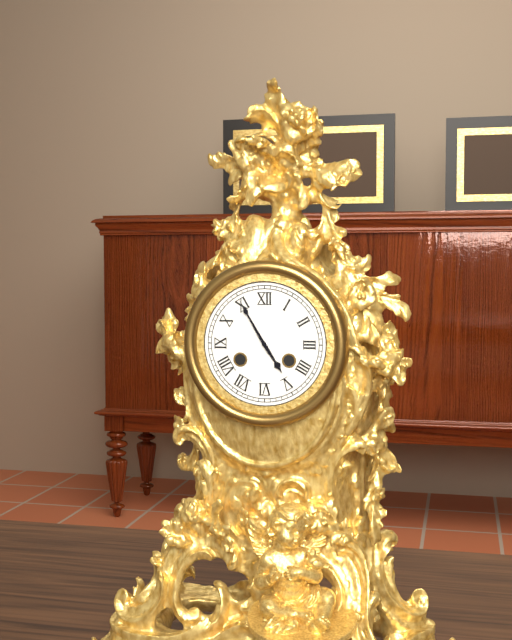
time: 4:55
